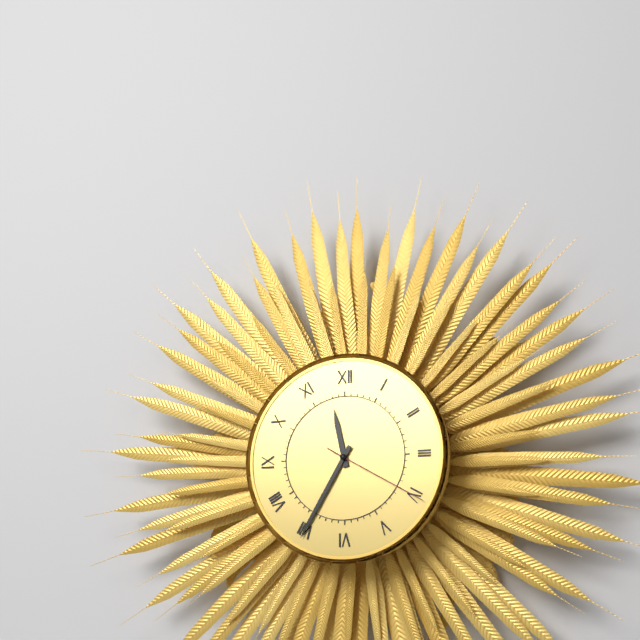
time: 11:35:20
